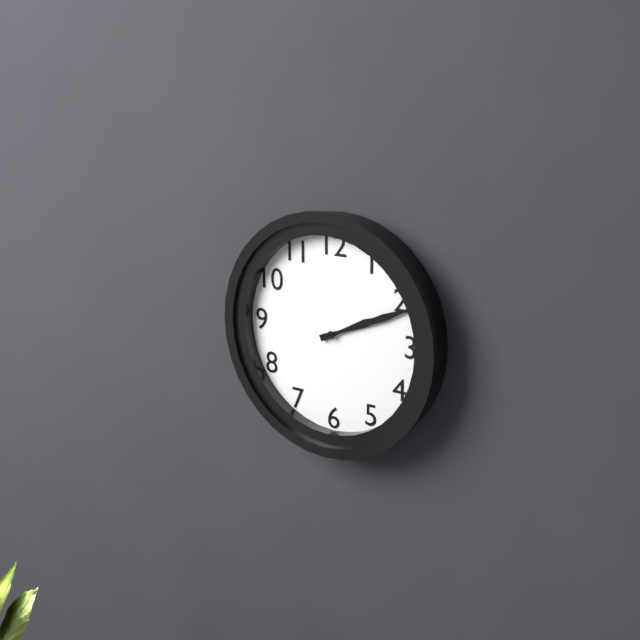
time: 2:11
